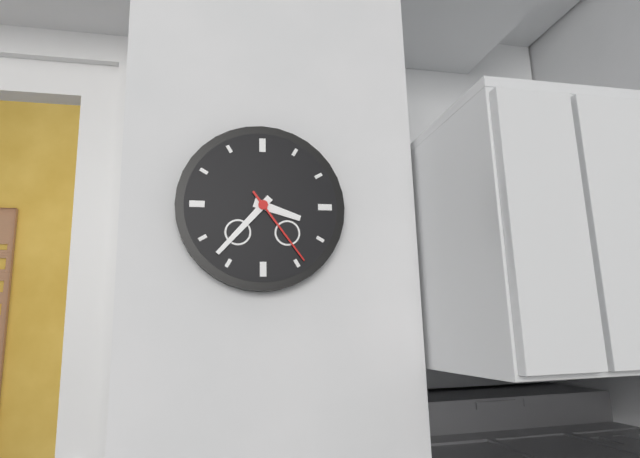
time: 3:37:24
